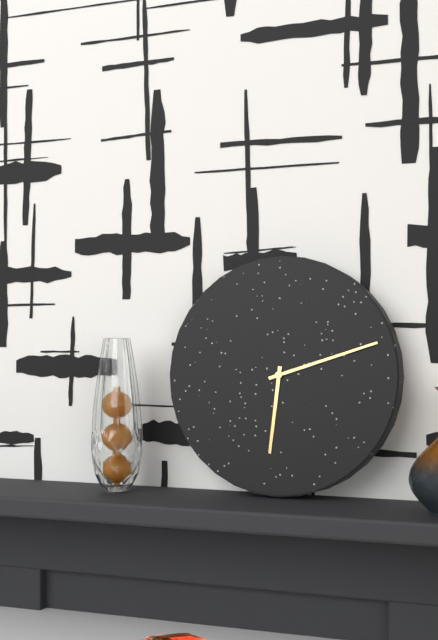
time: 6:12
